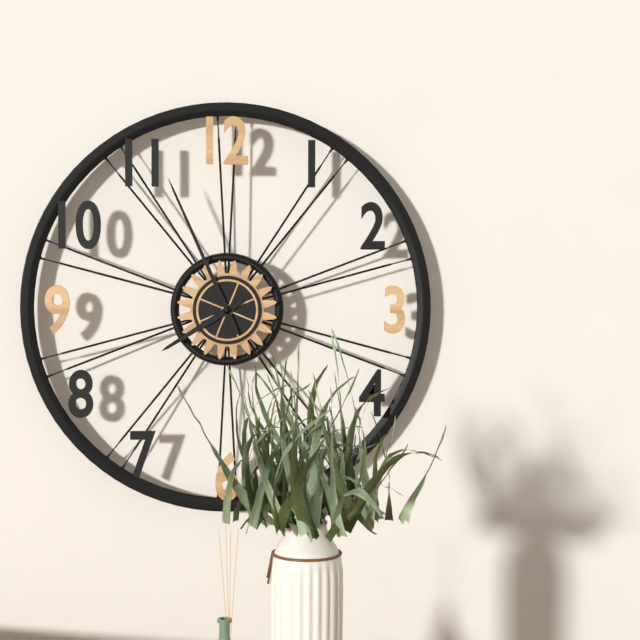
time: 7:56
